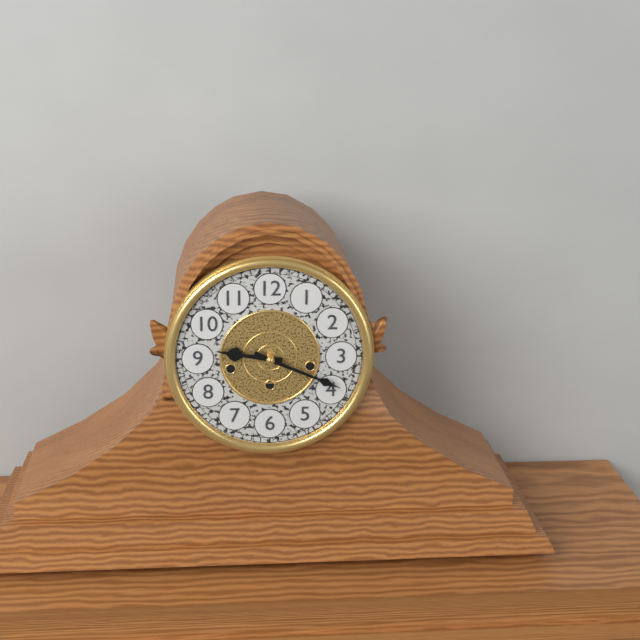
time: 9:19
